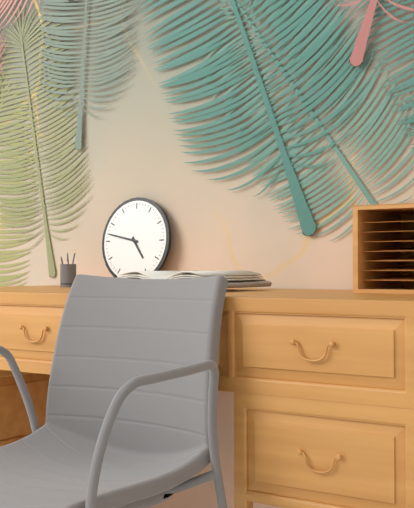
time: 4:47
